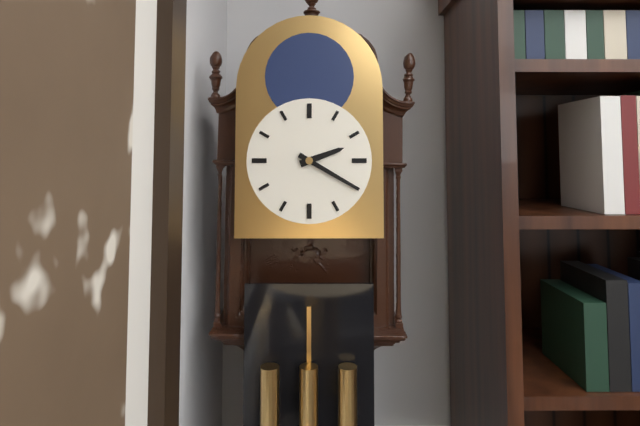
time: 2:20
